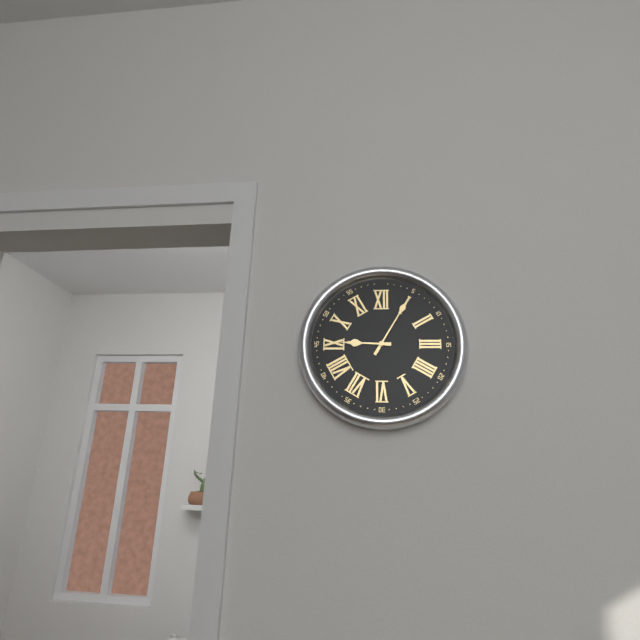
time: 9:05
